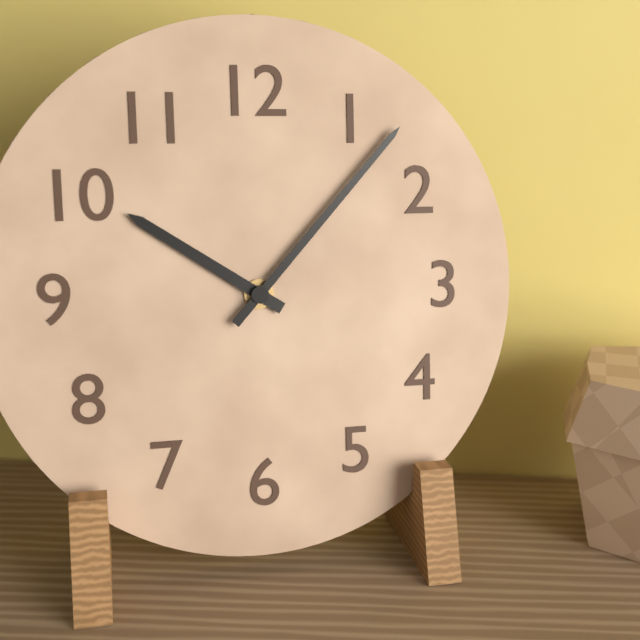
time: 10:07
